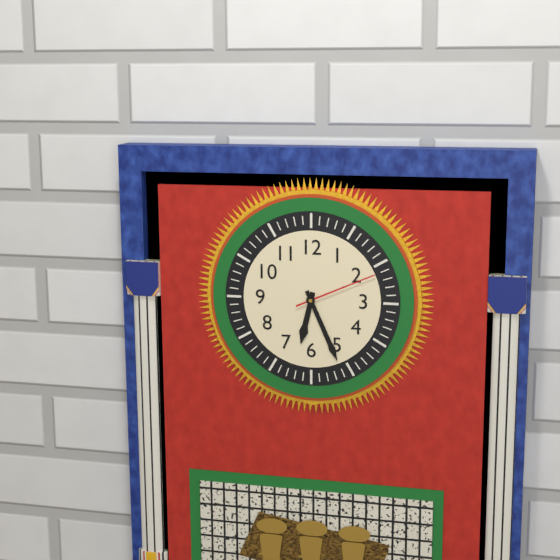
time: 6:26:11
